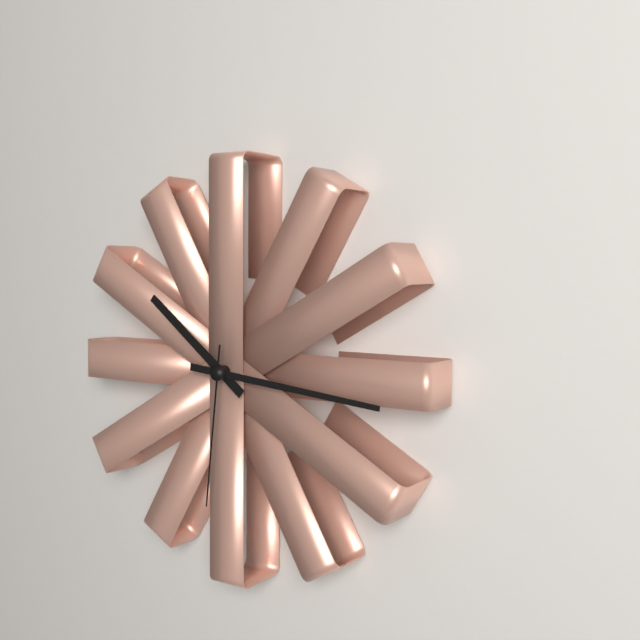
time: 10:16:31
